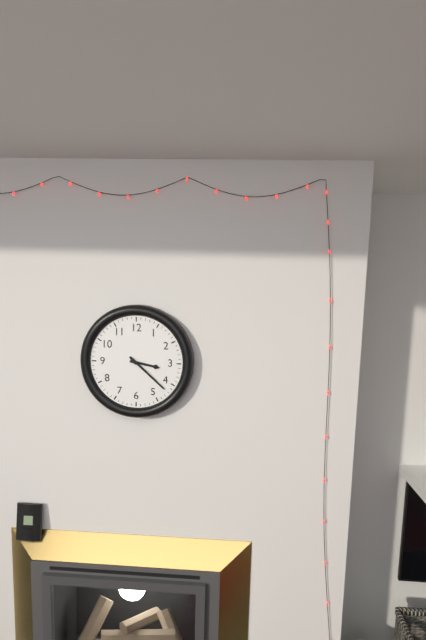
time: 3:22
